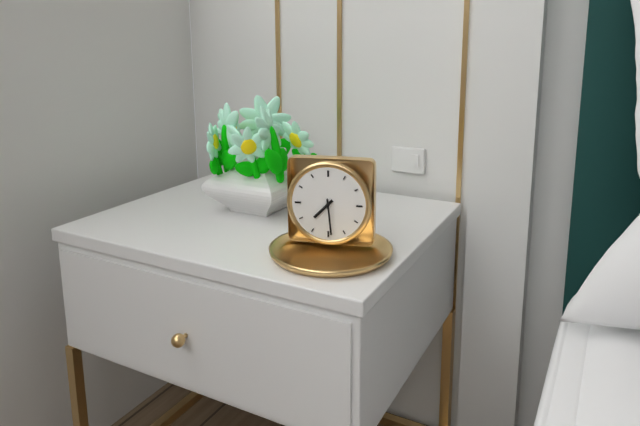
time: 7:29
